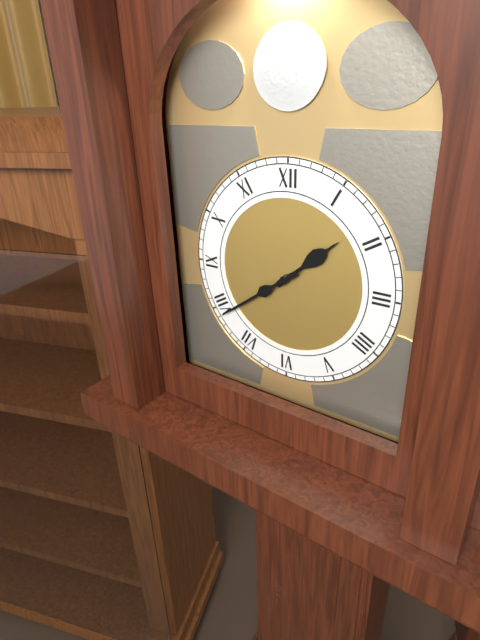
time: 1:39
